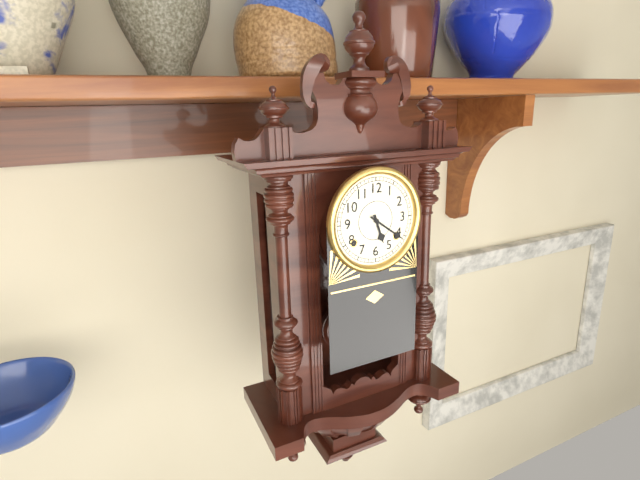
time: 5:21
